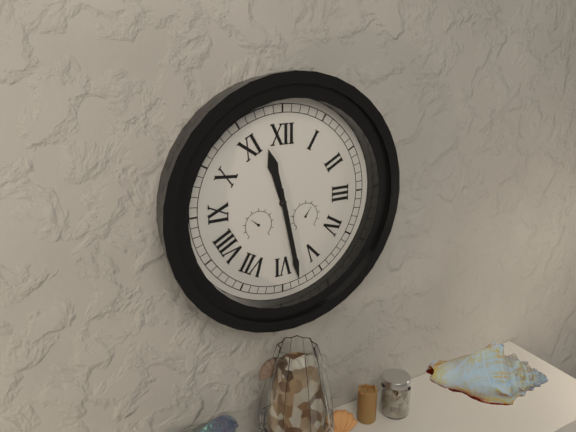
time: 11:28
